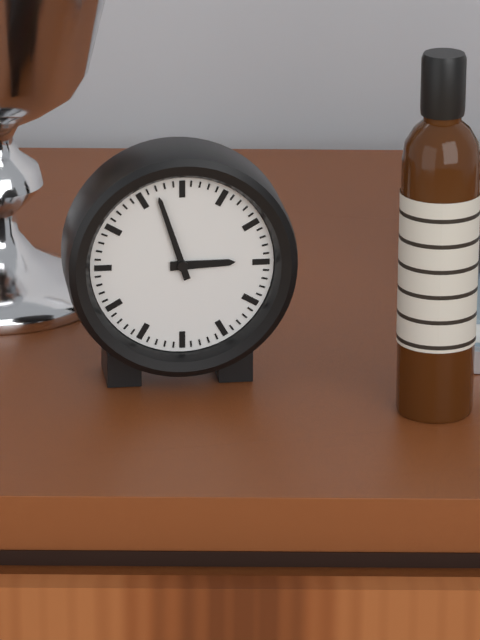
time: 2:57
